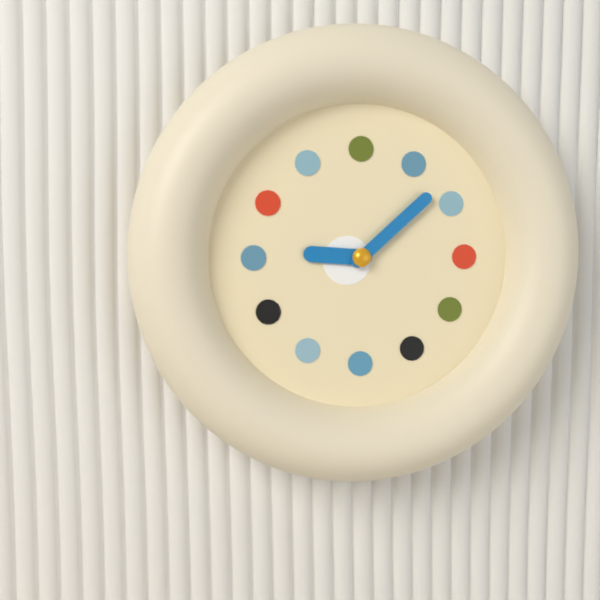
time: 9:08
